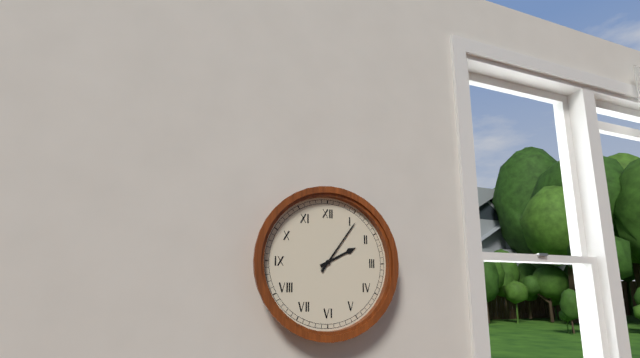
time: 2:06
